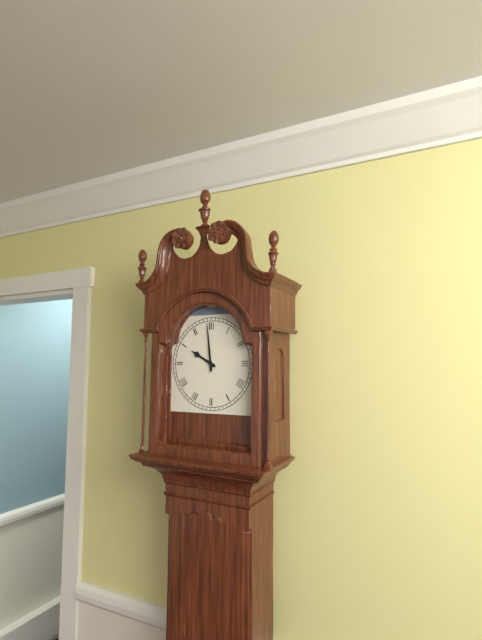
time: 9:59
